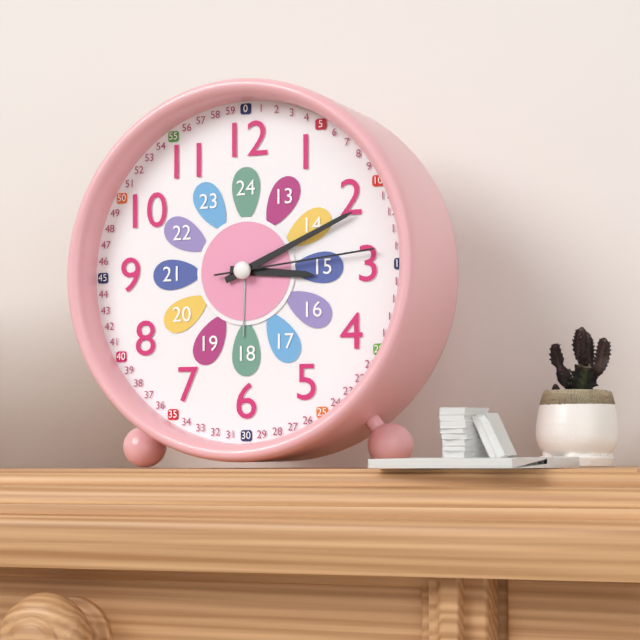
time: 3:11:14
